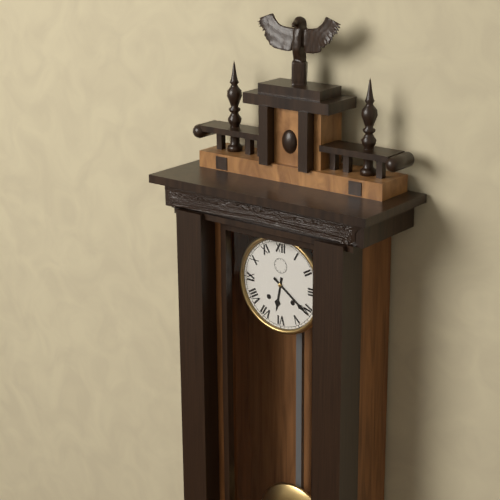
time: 6:21
